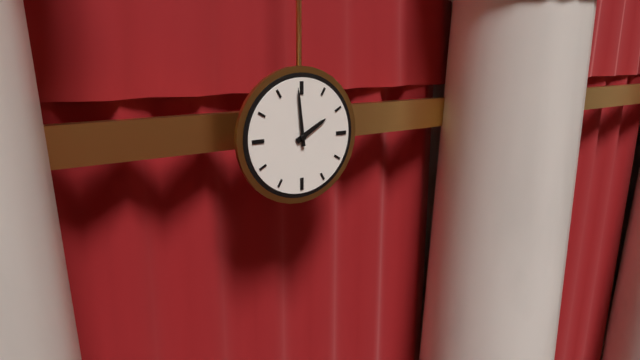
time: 1:59
